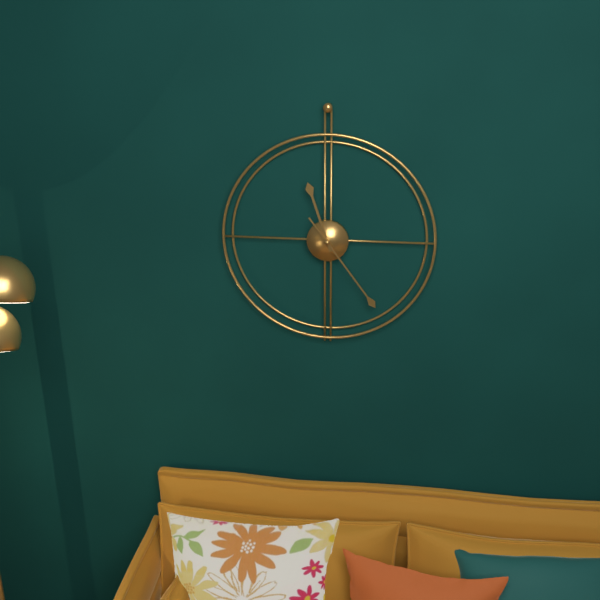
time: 11:24
